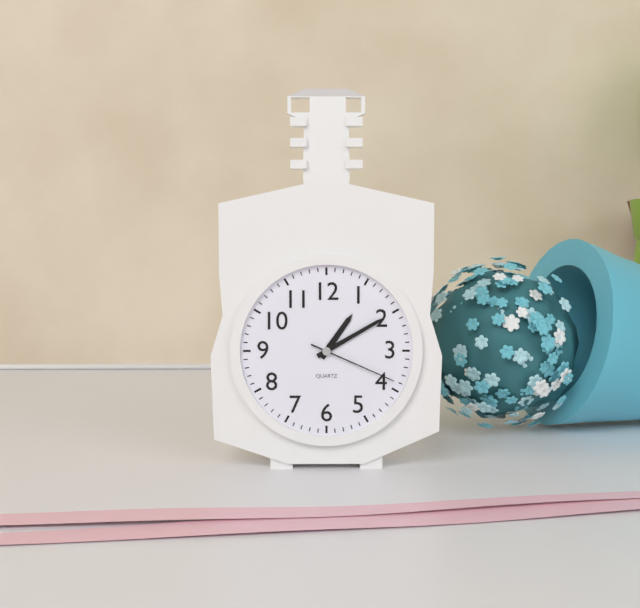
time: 1:10:19
